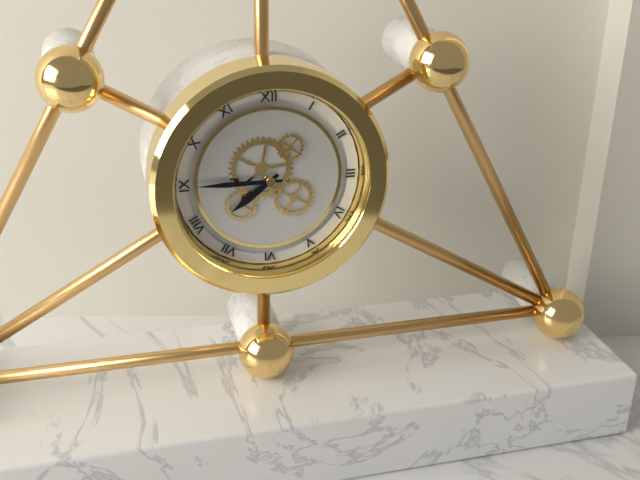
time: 7:45
